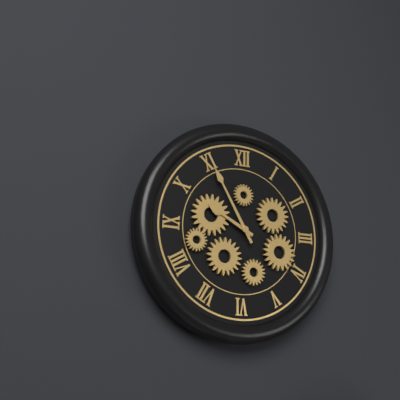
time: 9:55
